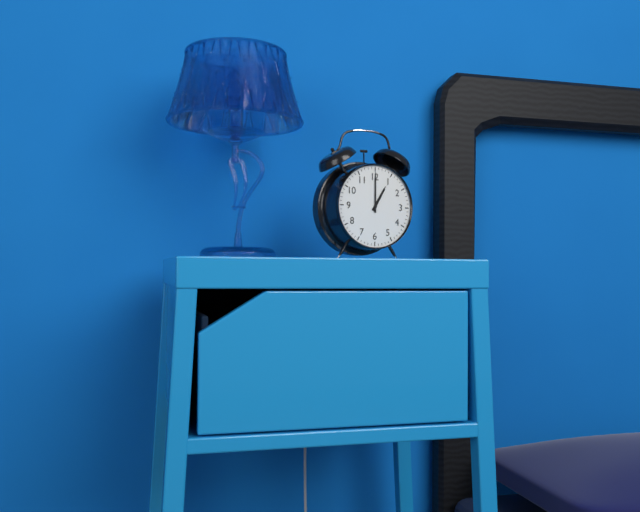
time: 1:00
